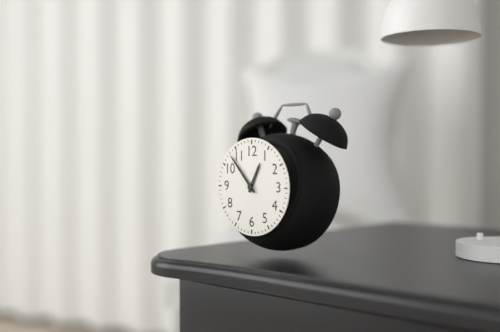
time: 12:53
